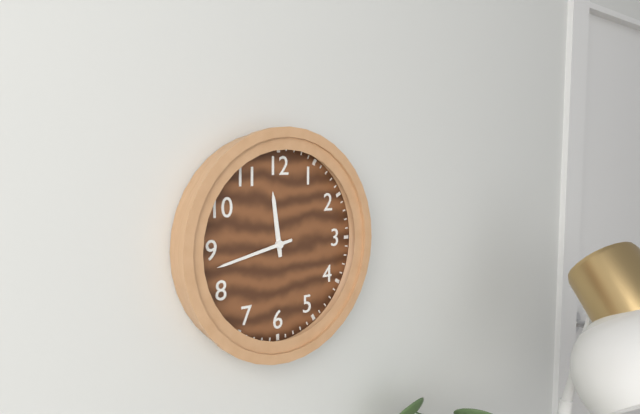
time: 11:43
